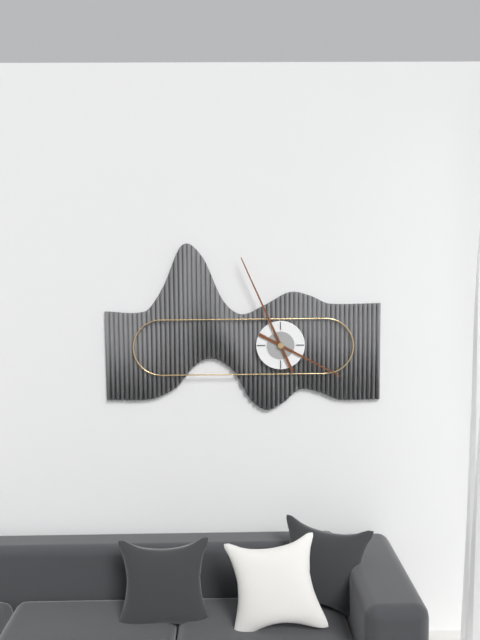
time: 3:56
